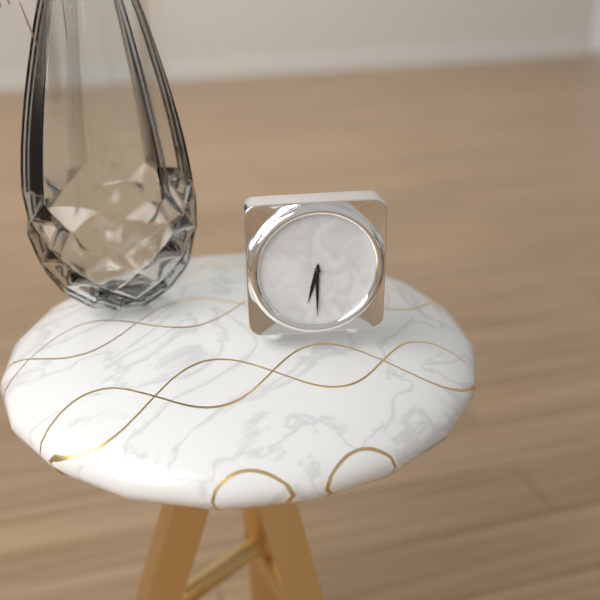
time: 6:30
